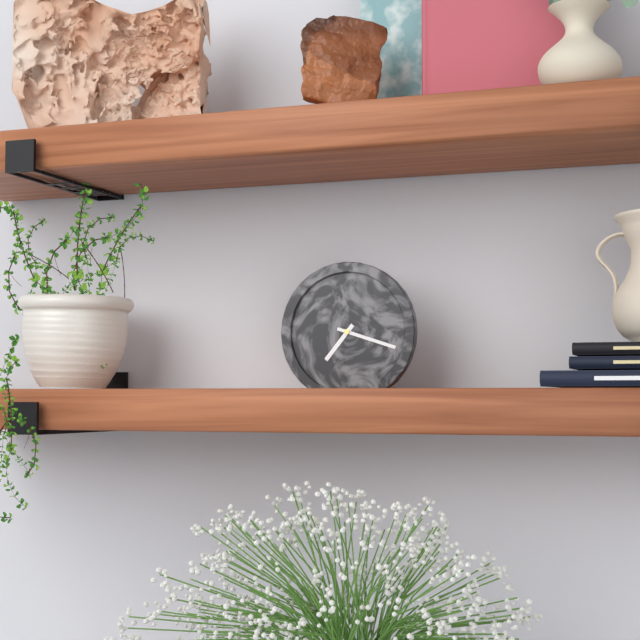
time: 7:18
